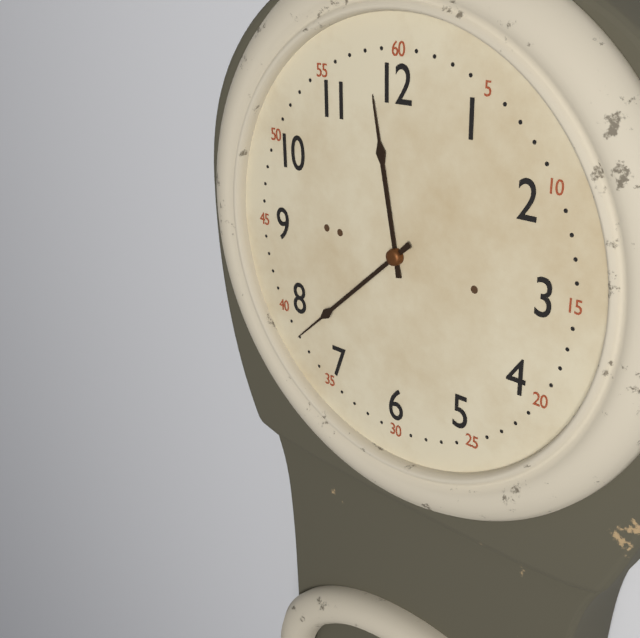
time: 11:38
